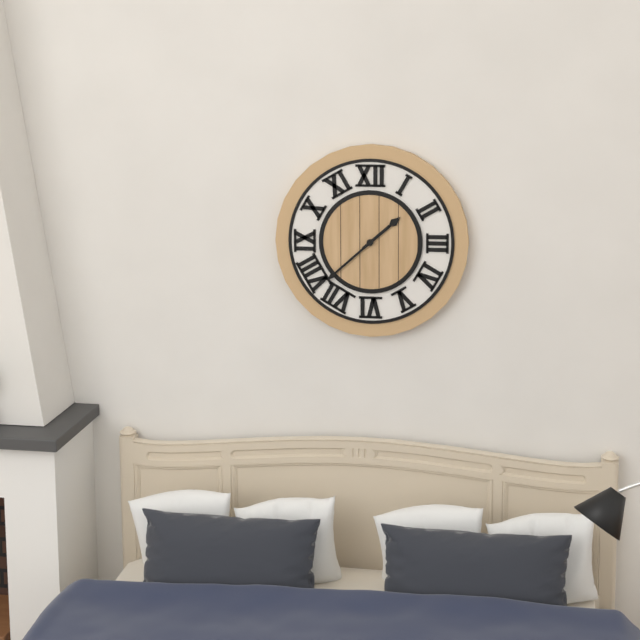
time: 1:38
